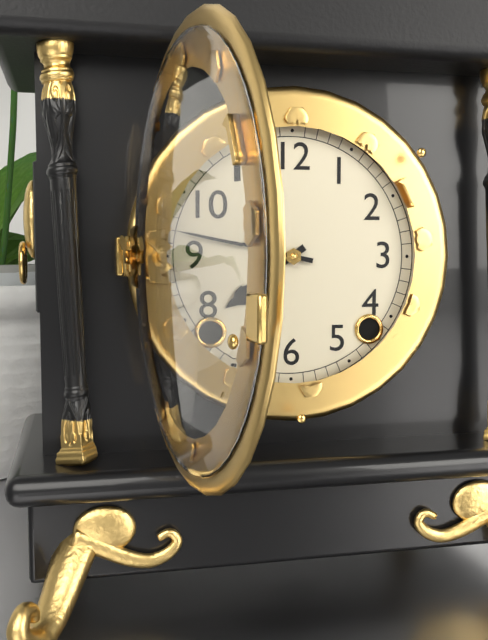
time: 7:47
